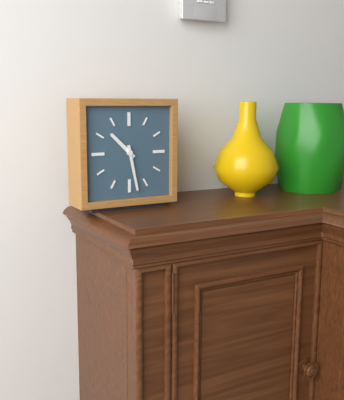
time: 10:28
